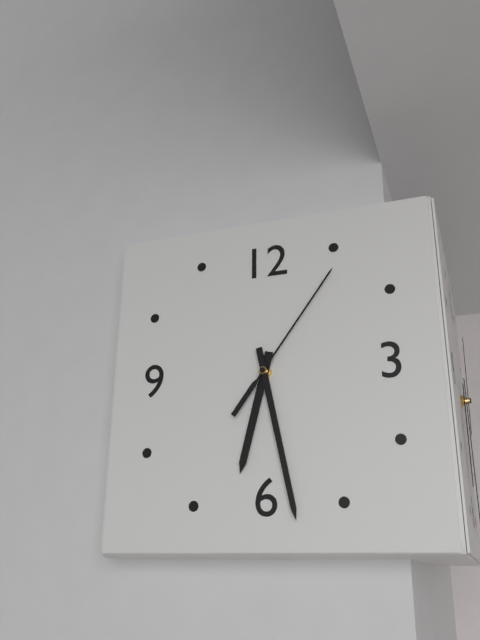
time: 6:28:06
